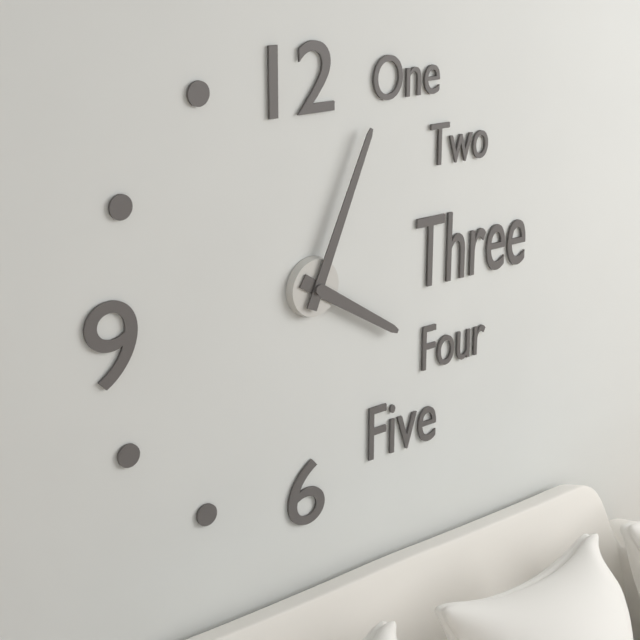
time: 4:04
